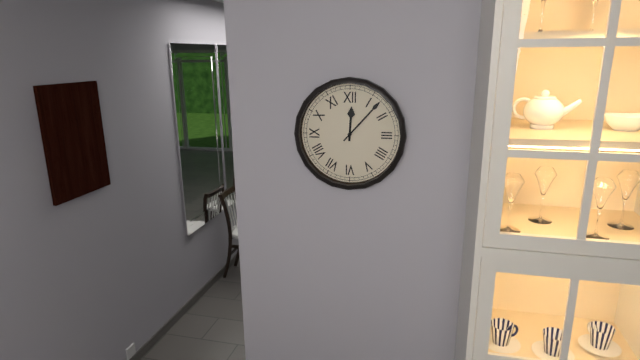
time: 12:07
